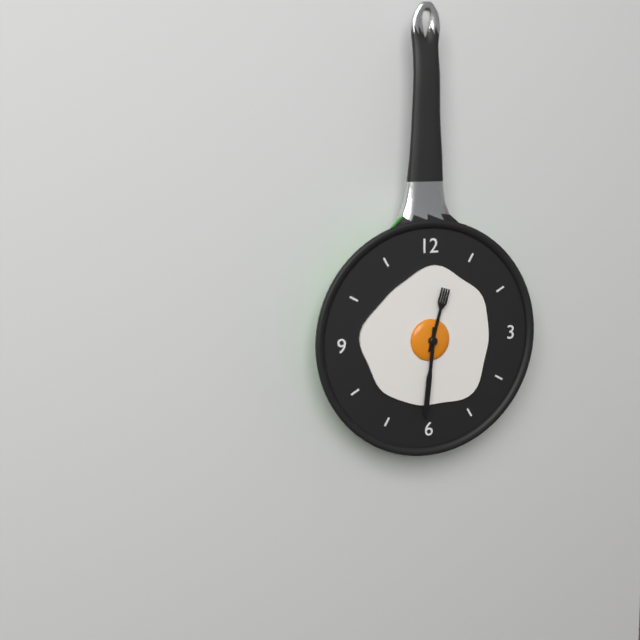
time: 12:31
